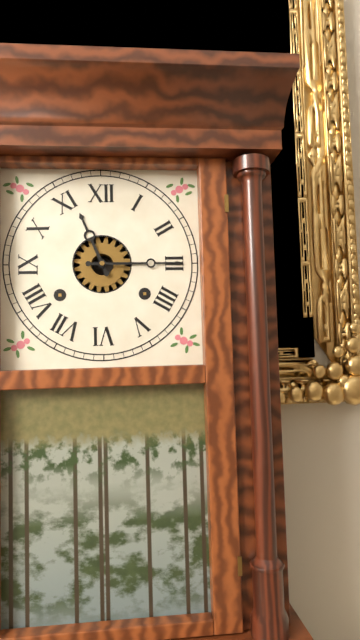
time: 11:15
